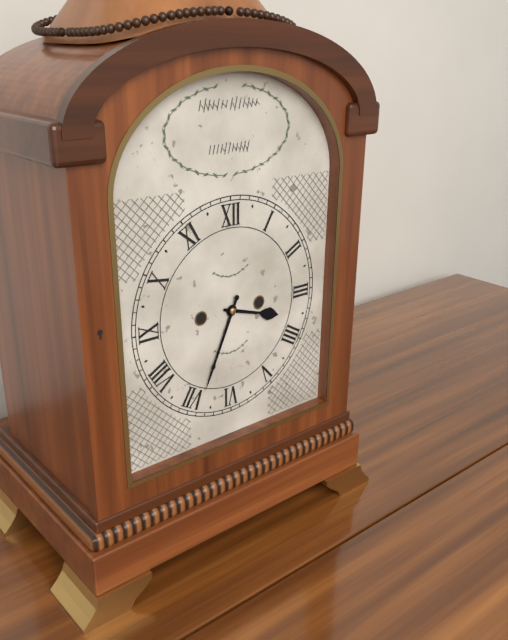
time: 3:34
